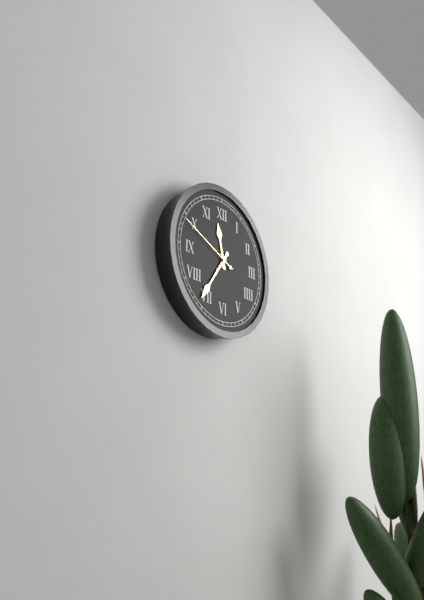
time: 11:36:49
